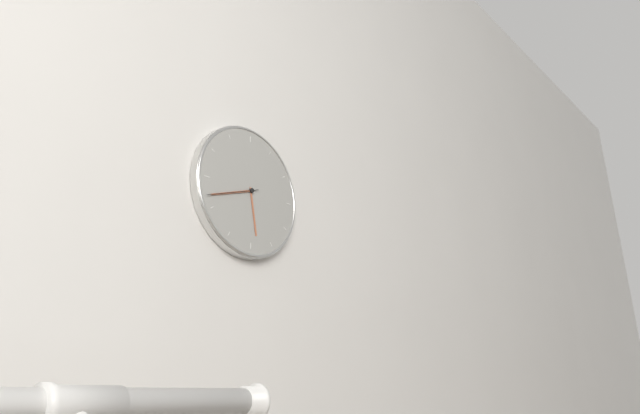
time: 5:42:42
